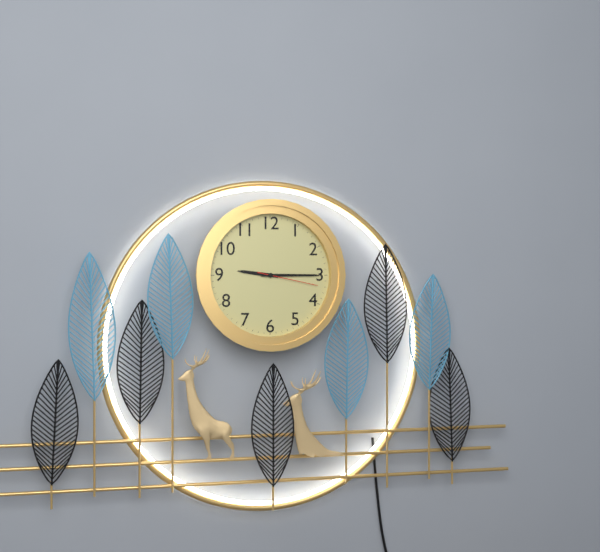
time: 9:15:17
